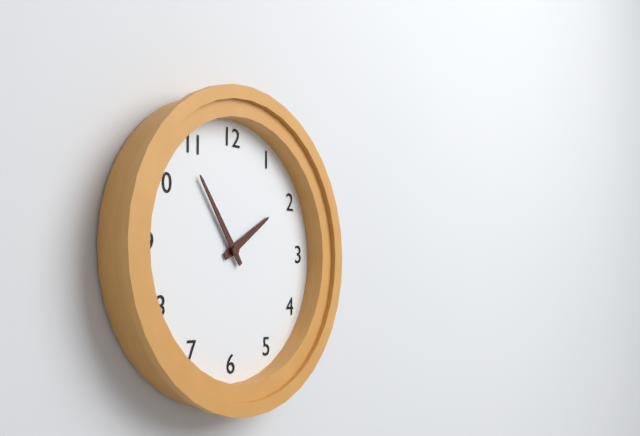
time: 1:54
